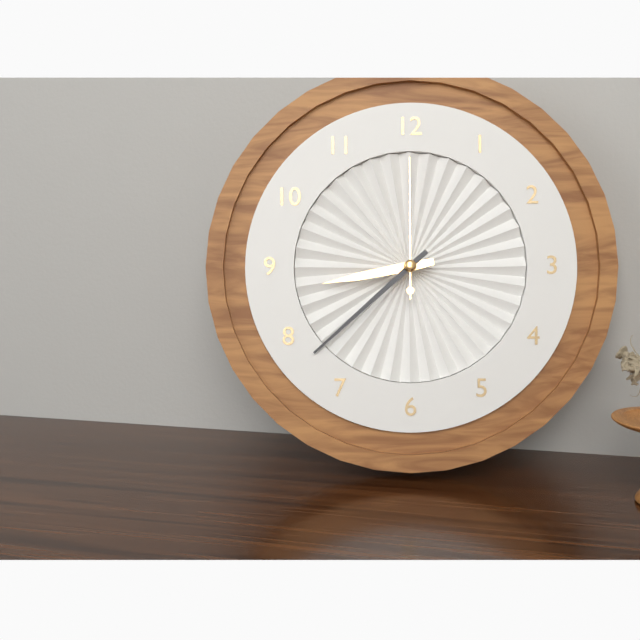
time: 8:38:00
